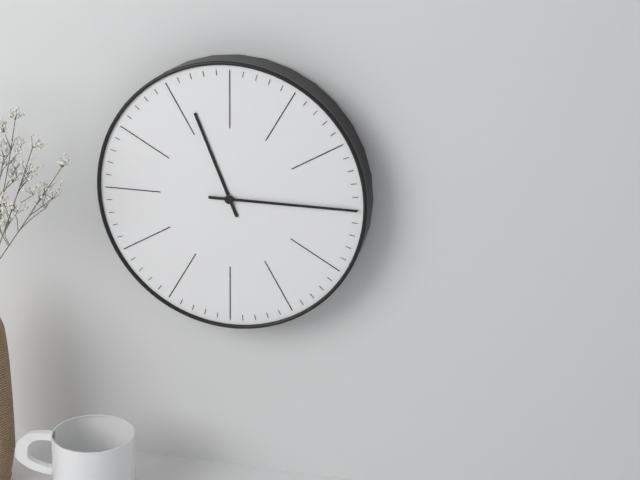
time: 11:15
